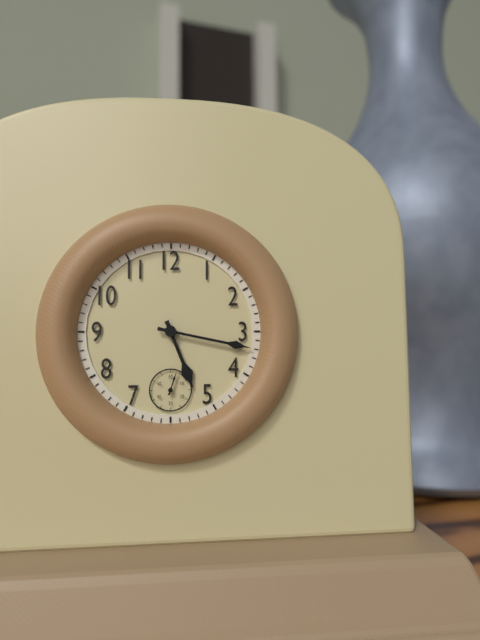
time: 5:17
